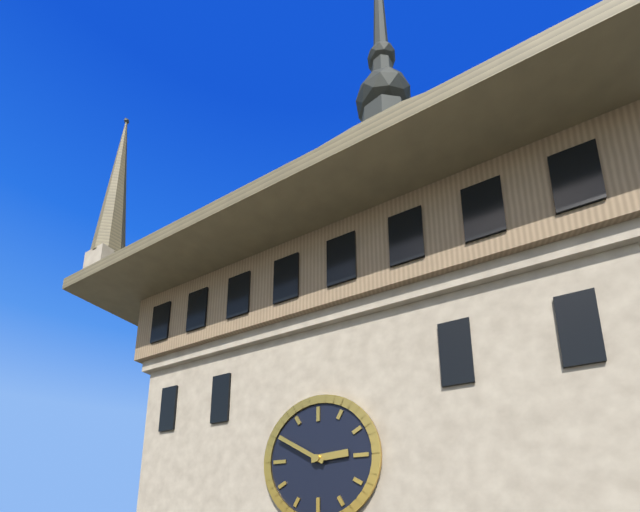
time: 2:50
